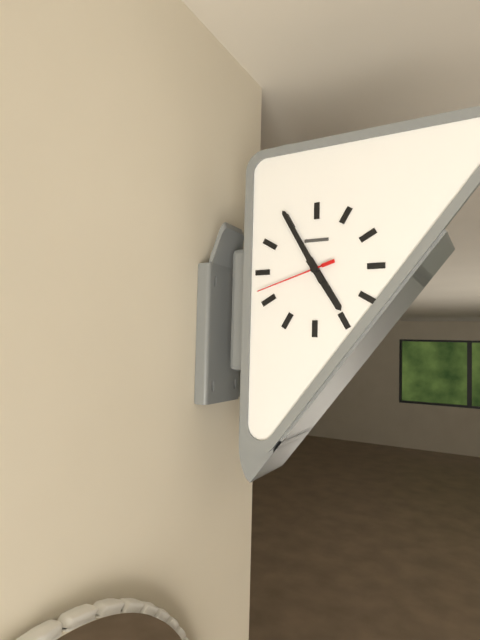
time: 4:55:42
